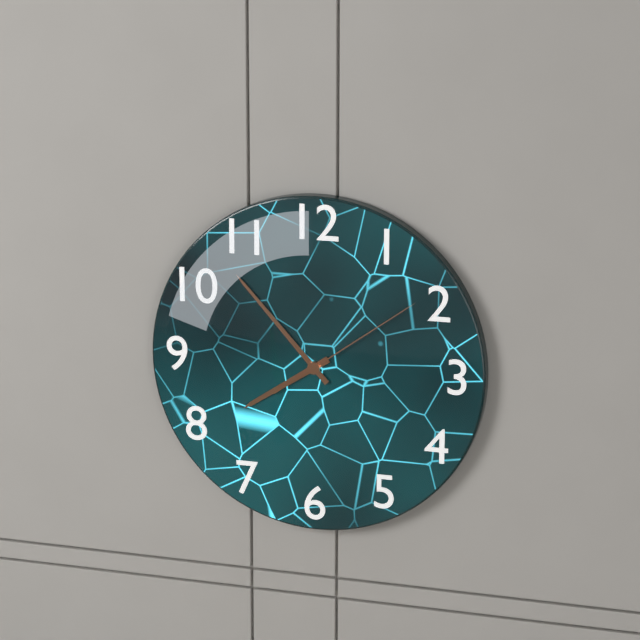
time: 7:53:09
